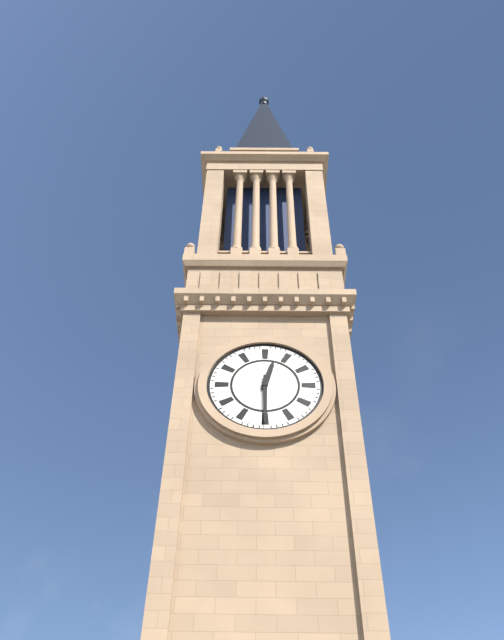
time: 12:30
